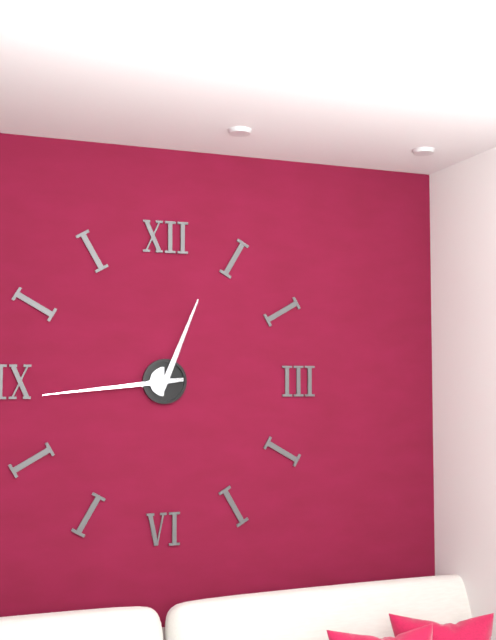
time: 12:44
